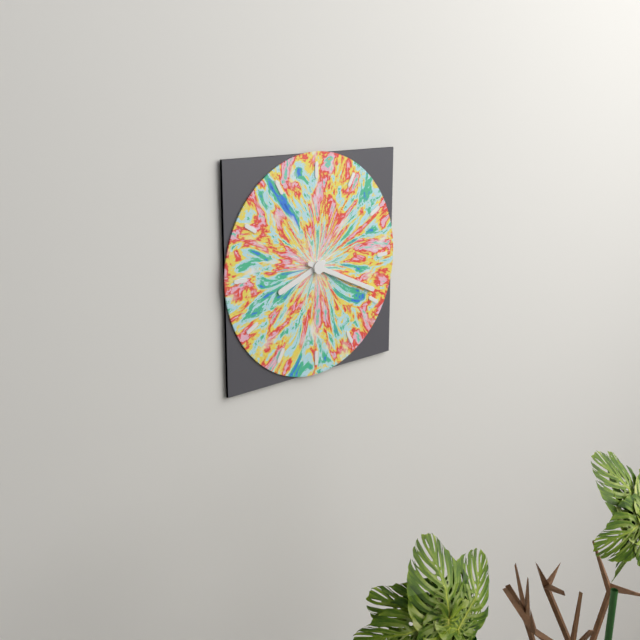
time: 8:19
